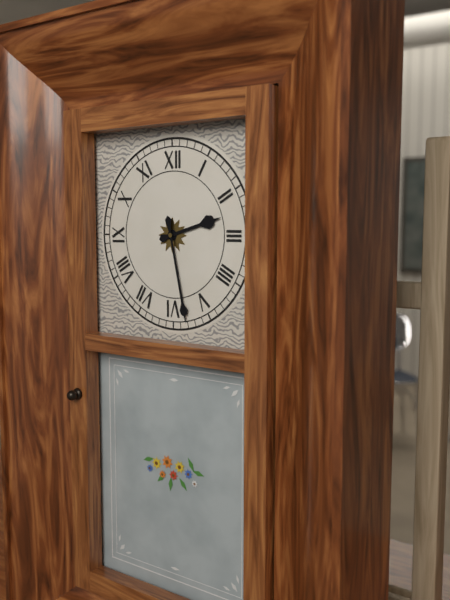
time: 2:28
